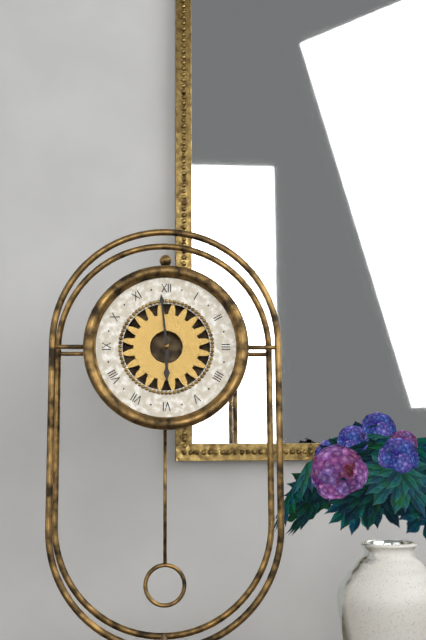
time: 5:59
